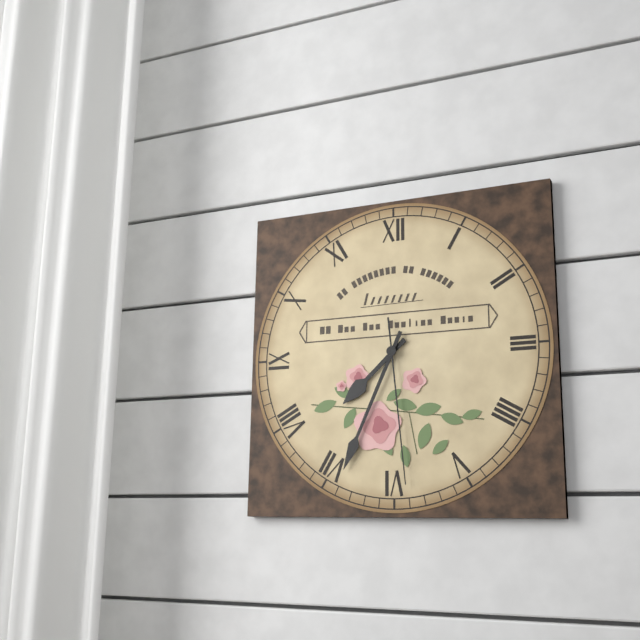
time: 7:34:29
